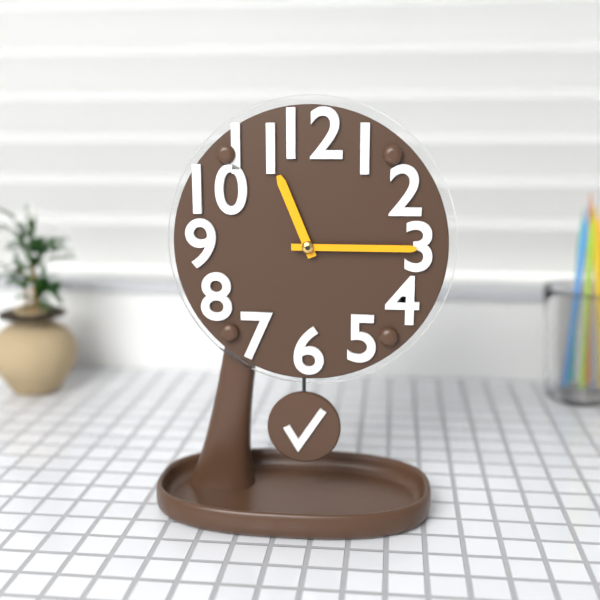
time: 11:15
